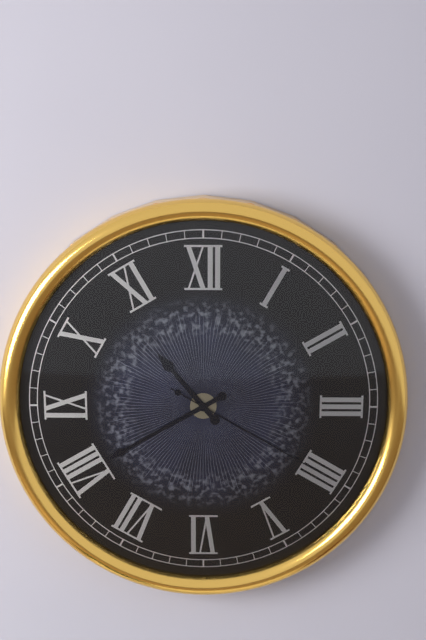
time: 10:40:20
